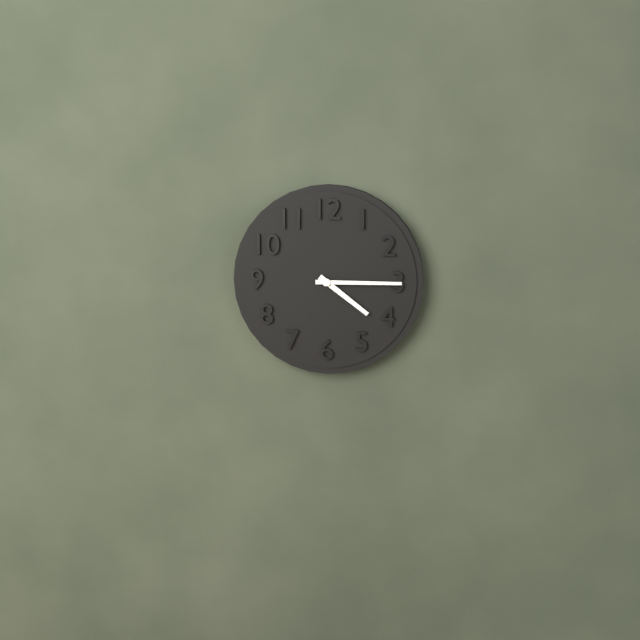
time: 4:15
